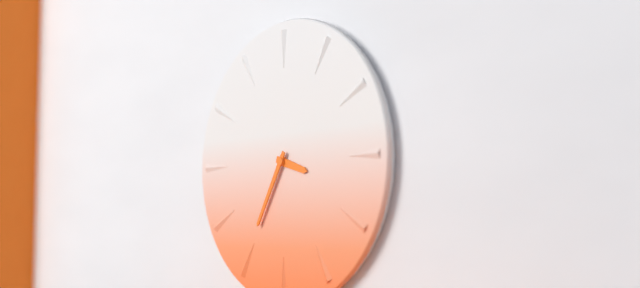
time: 3:35
